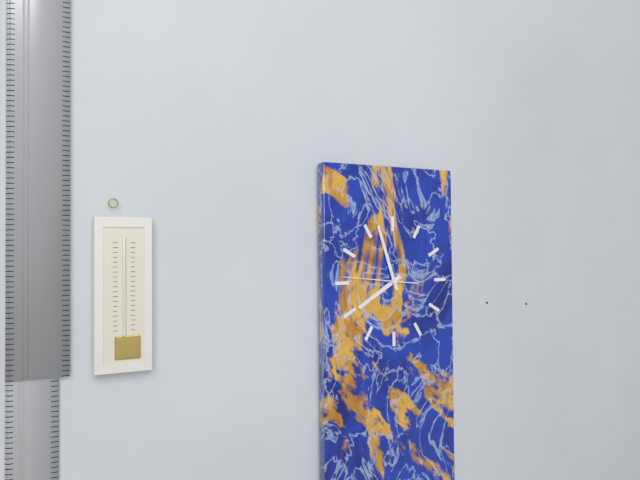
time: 7:57:46
